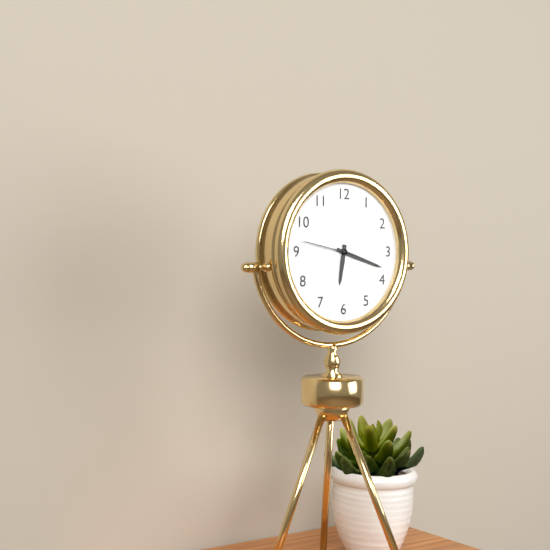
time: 6:18:47
